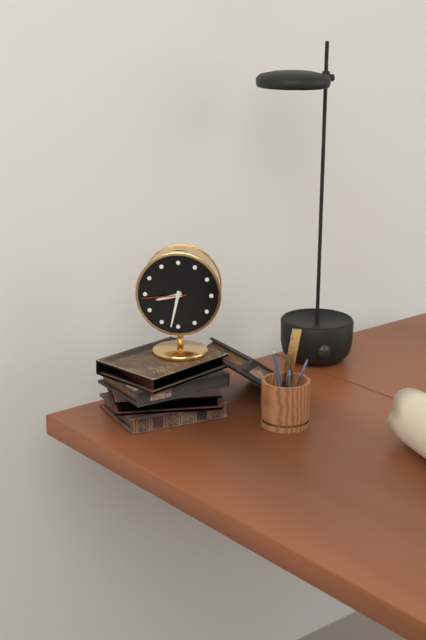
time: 8:32
